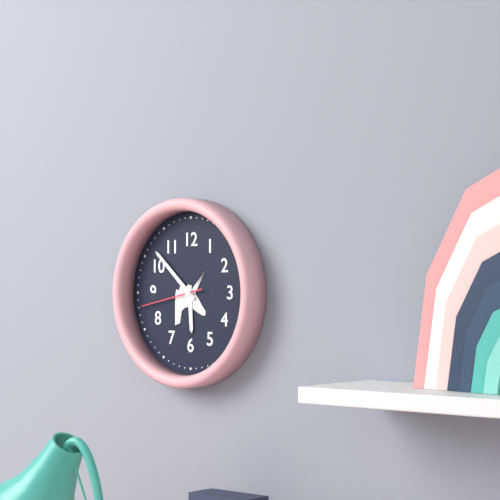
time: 5:52:43
